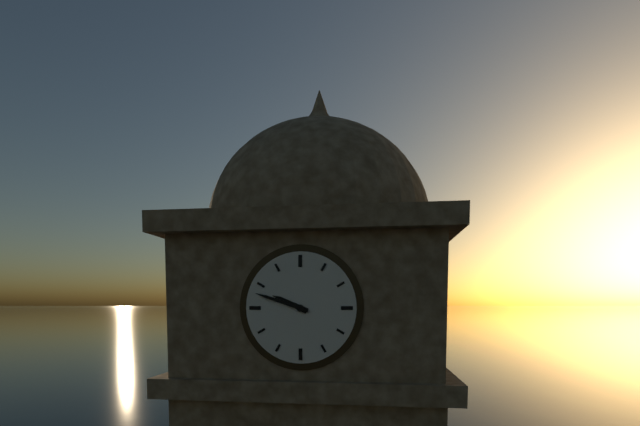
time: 9:48
